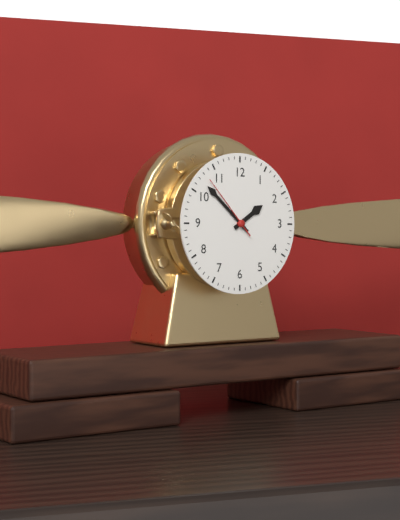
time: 1:52:53
